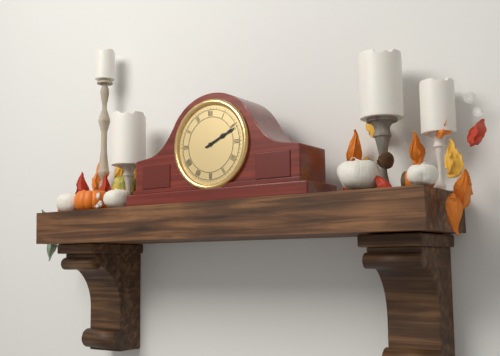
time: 2:11
